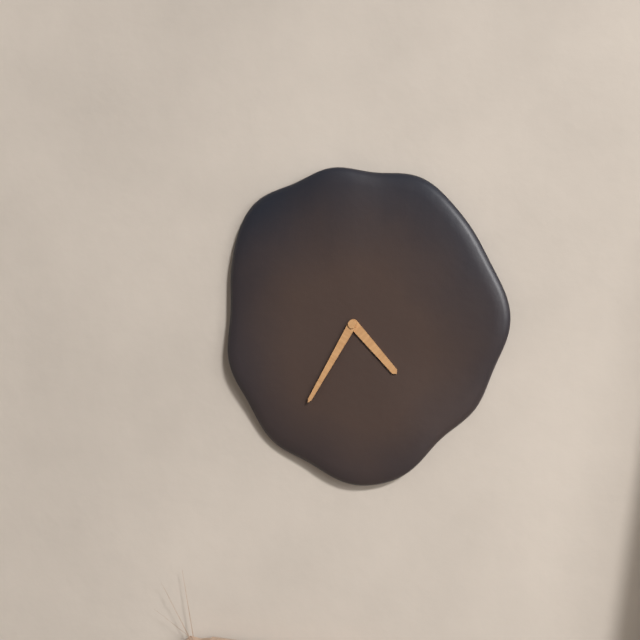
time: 4:35
